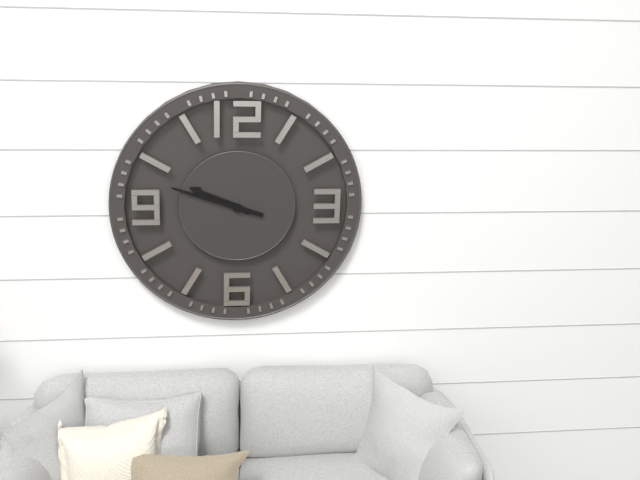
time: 9:48
